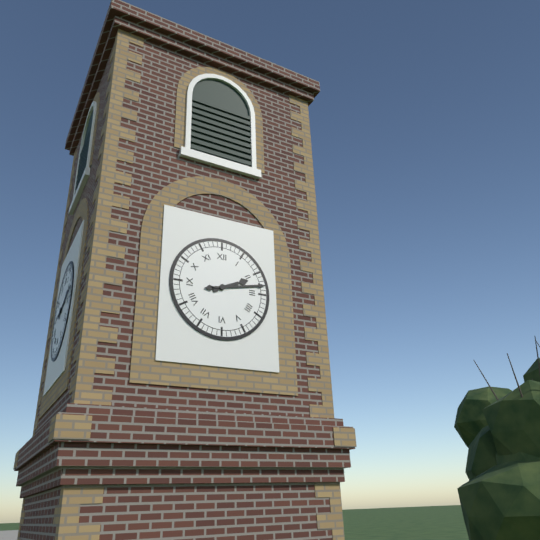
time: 2:13
